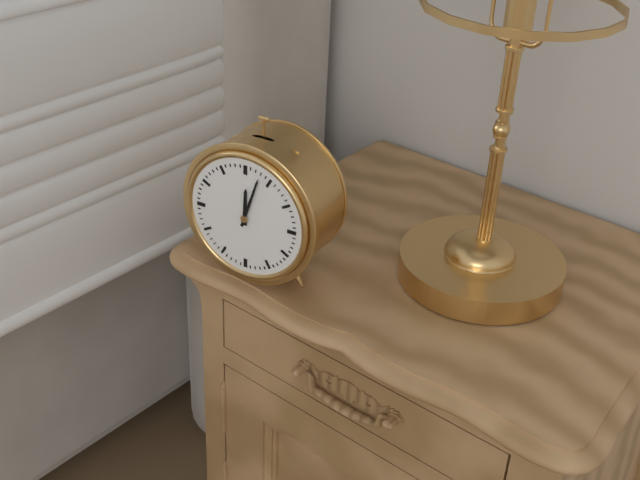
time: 12:03
